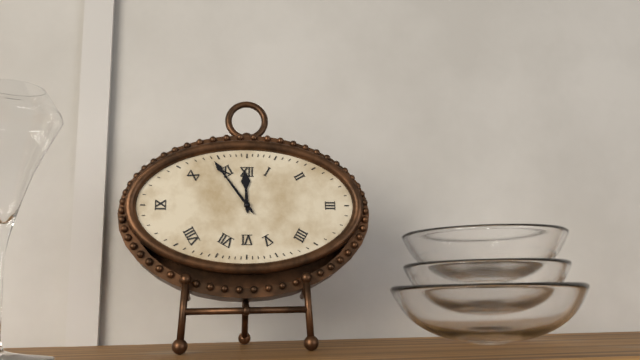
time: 11:54
